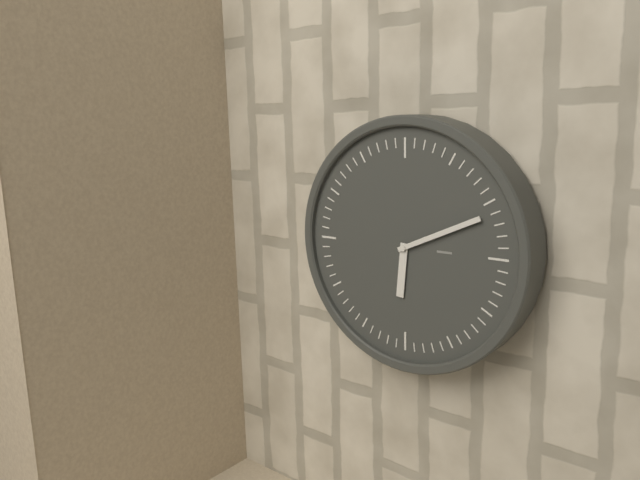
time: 6:11
